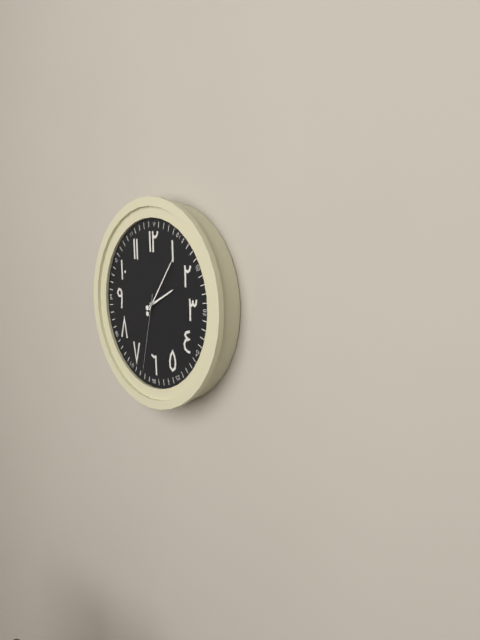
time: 2:06:32
